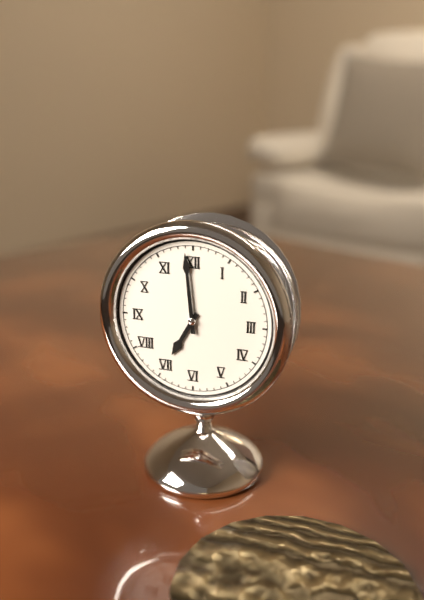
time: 6:59
